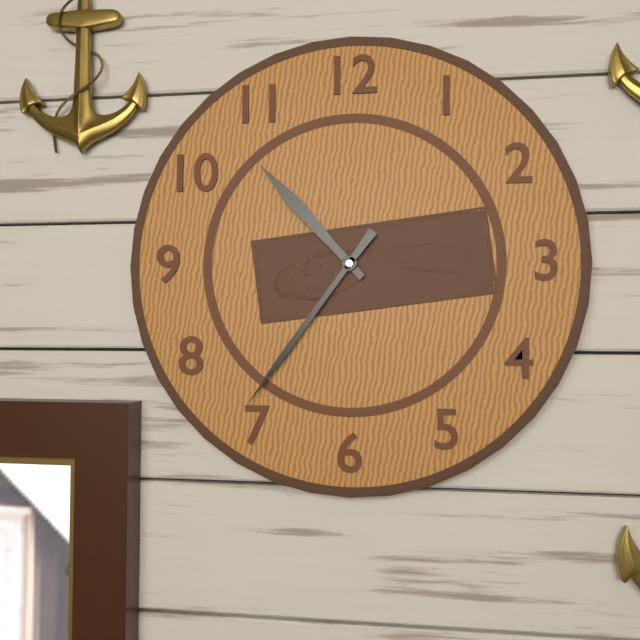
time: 10:36
